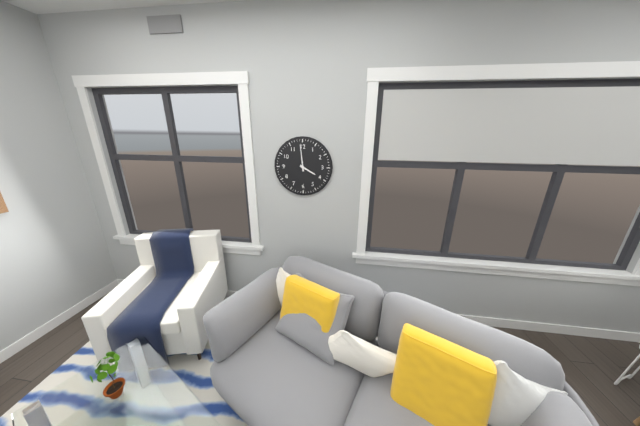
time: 3:59
